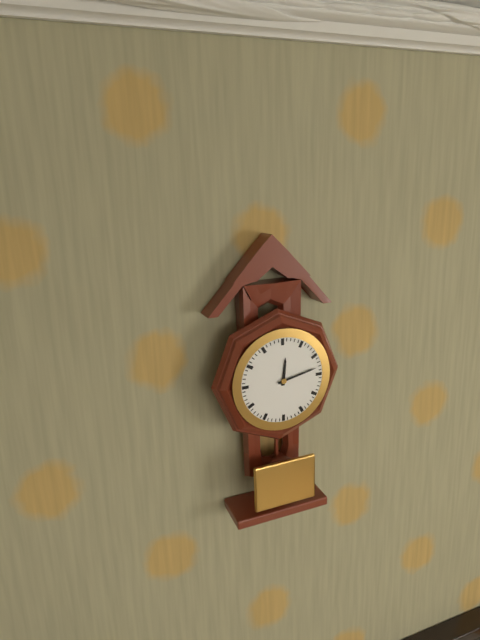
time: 12:13
